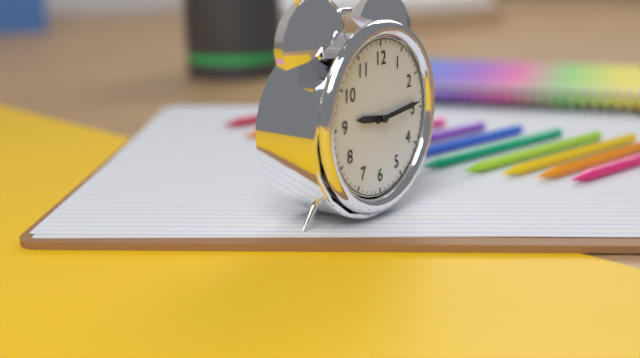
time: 9:14
